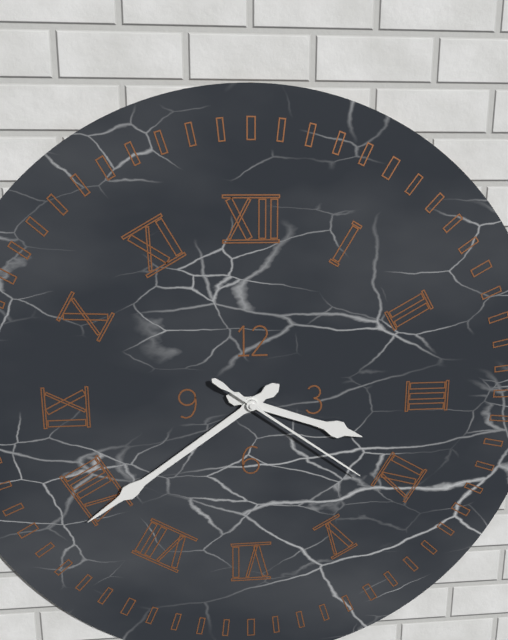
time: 3:39:21
